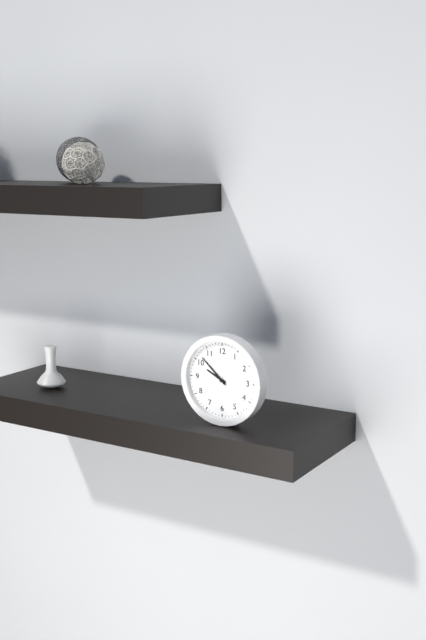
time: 9:52
